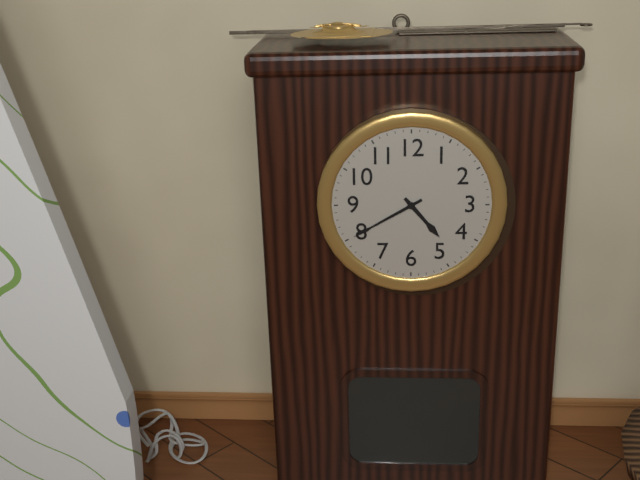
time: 4:40
